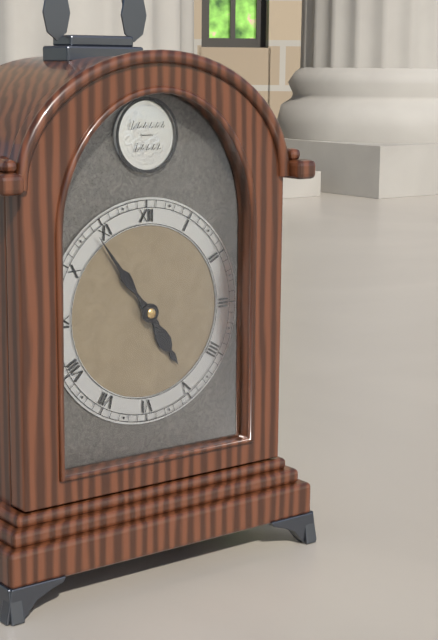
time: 4:54
